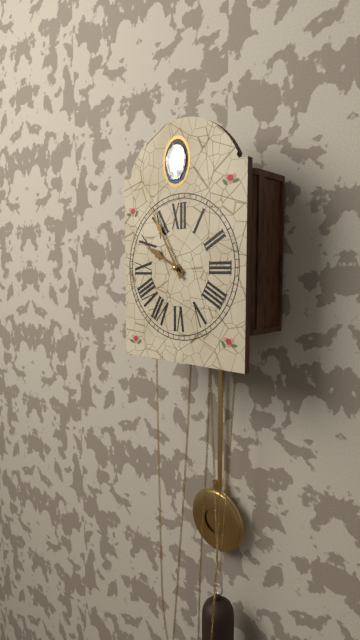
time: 9:55
